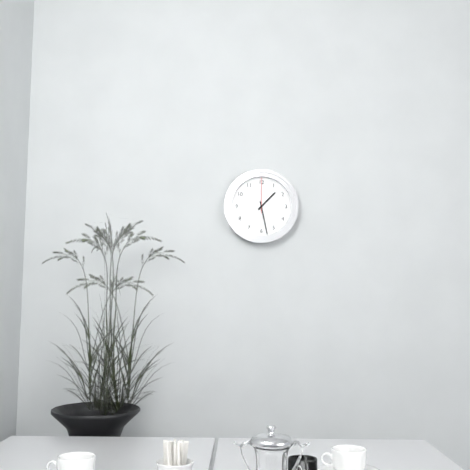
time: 1:28
